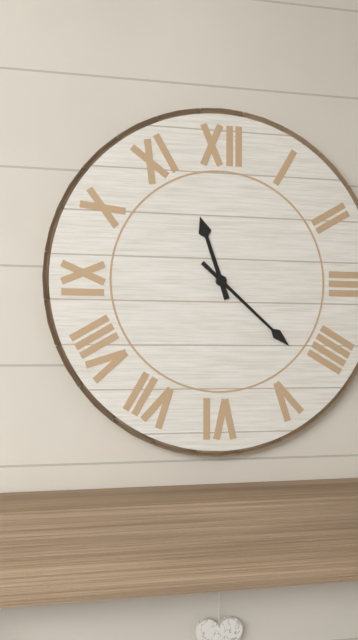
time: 11:22
